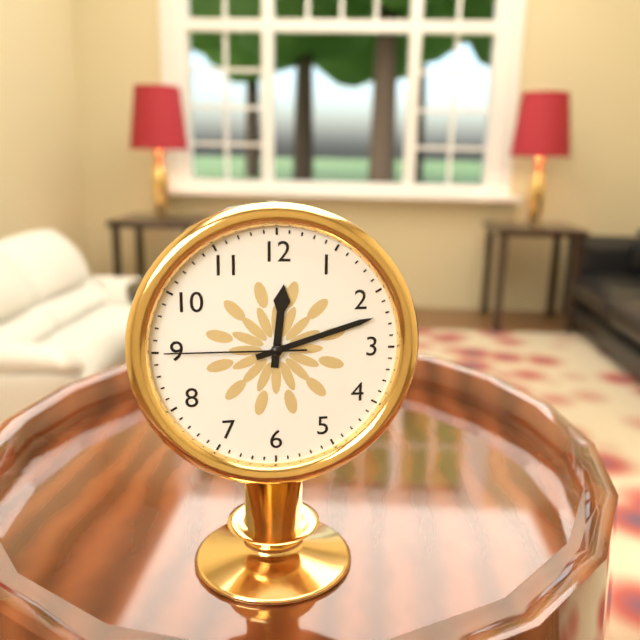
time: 12:12:45
